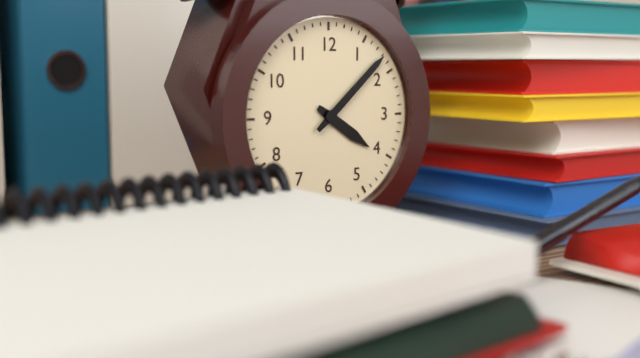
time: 4:08
